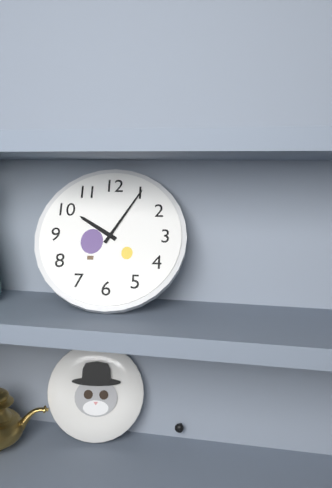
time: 10:05
